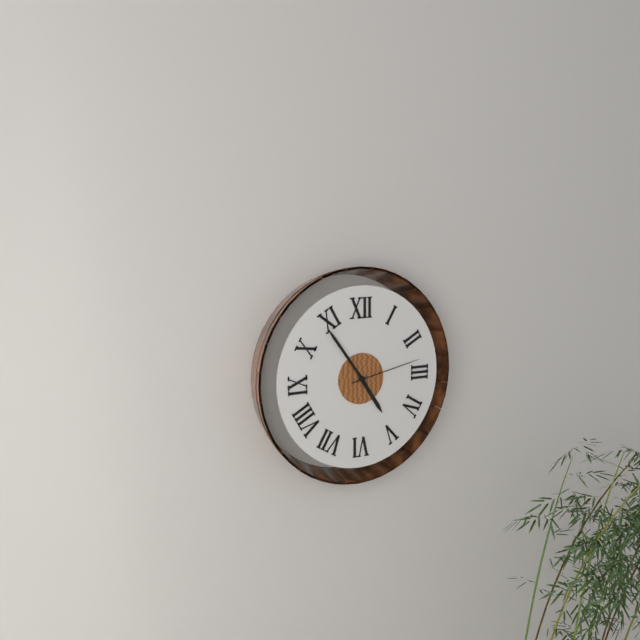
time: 4:54:13
